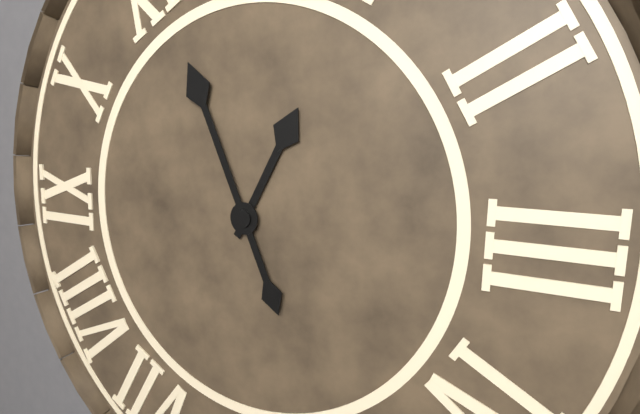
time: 12:56
